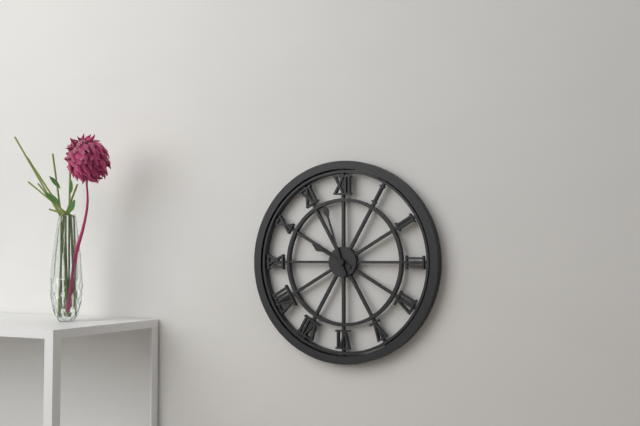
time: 9:57
